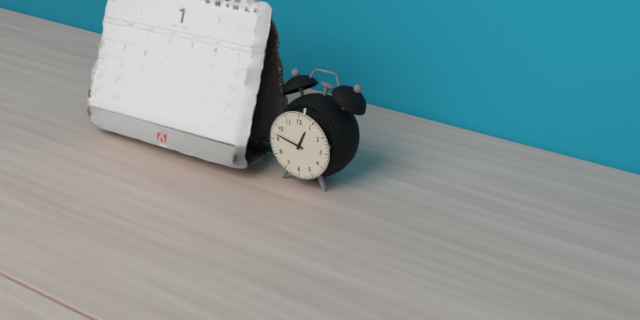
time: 12:47
